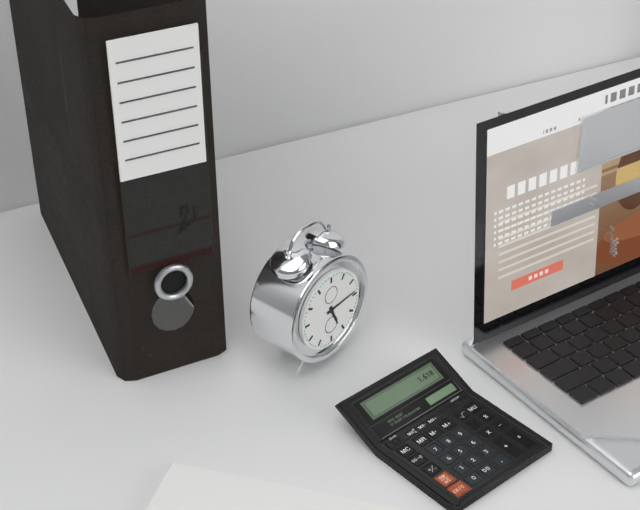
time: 5:14
